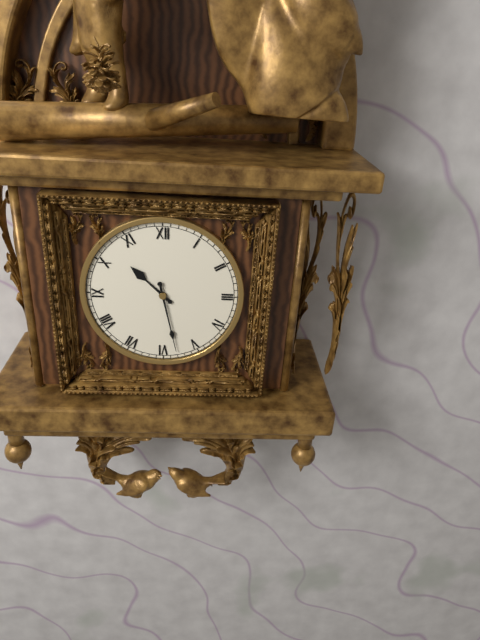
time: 10:28
